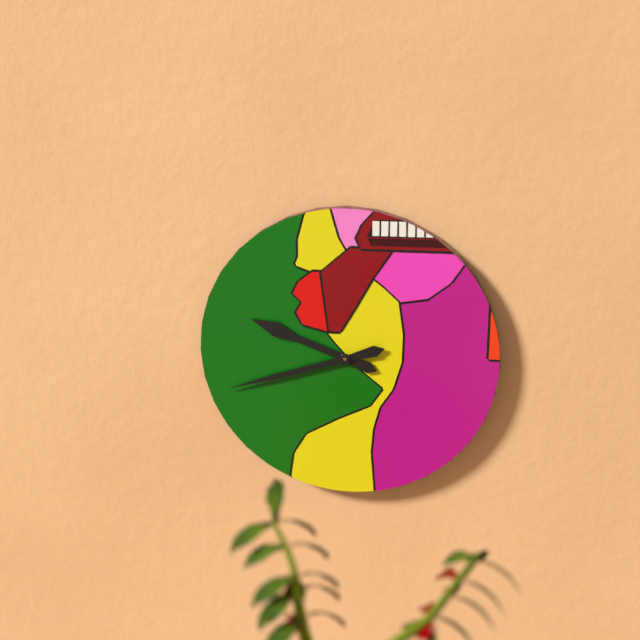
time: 9:42
